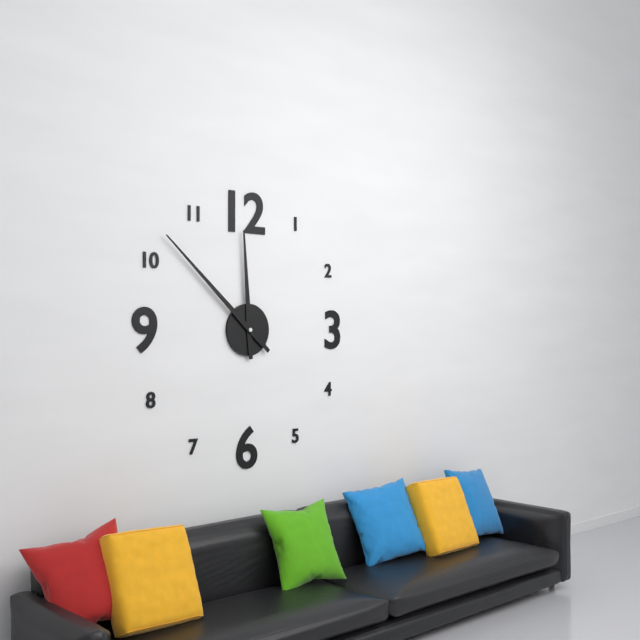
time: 11:52
